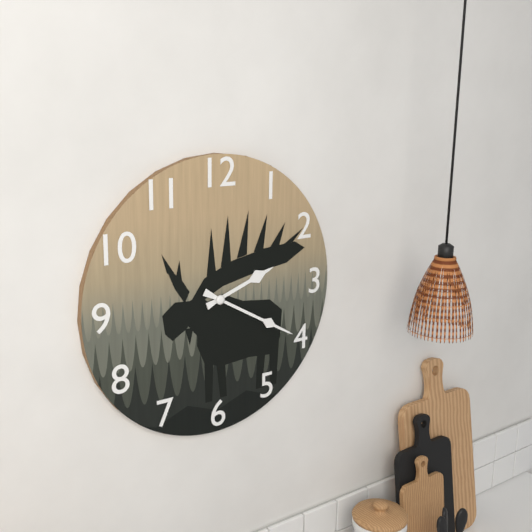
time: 2:20
